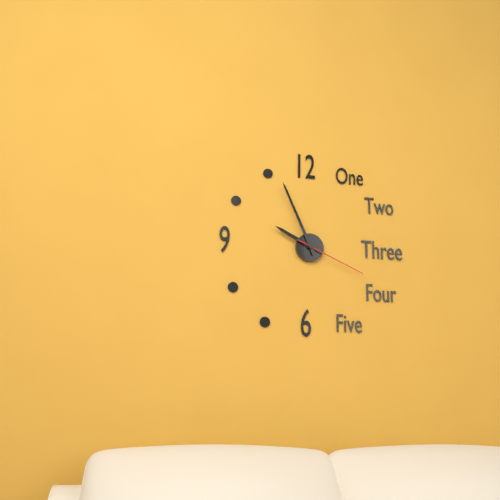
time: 9:56:19
